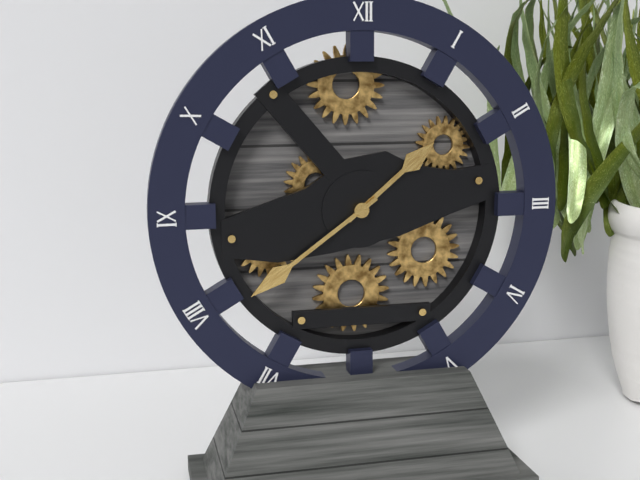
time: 1:39
